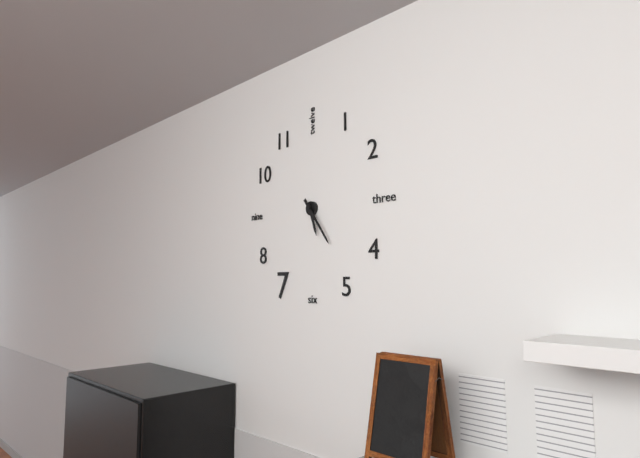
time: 5:24
